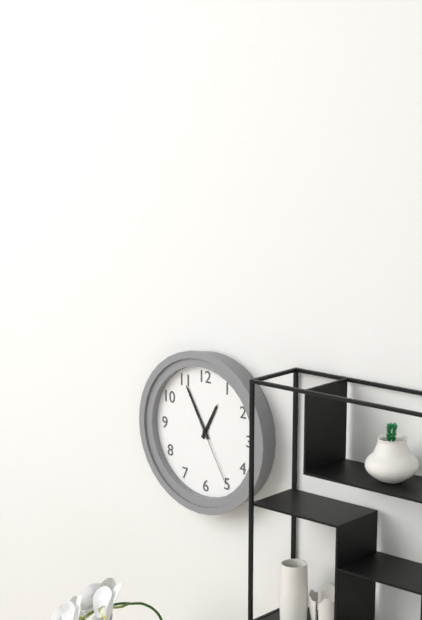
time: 12:55:25
